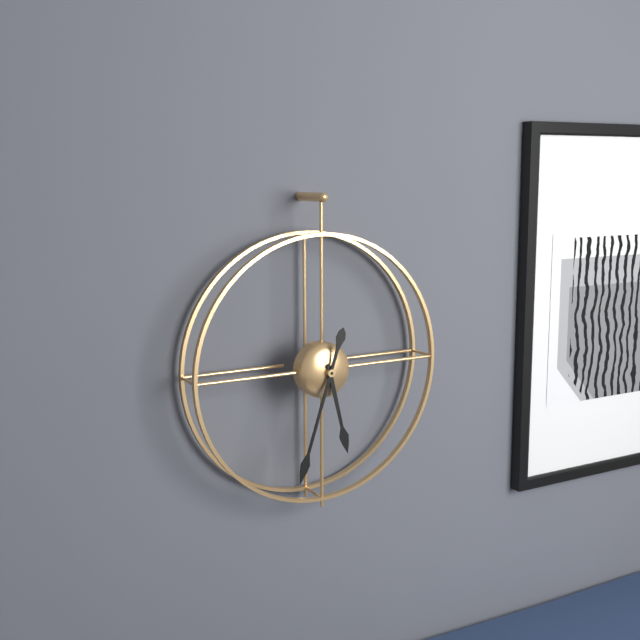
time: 5:33
